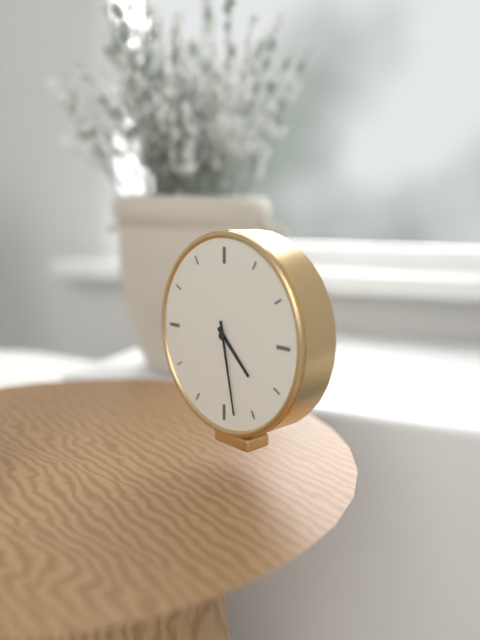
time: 4:28
